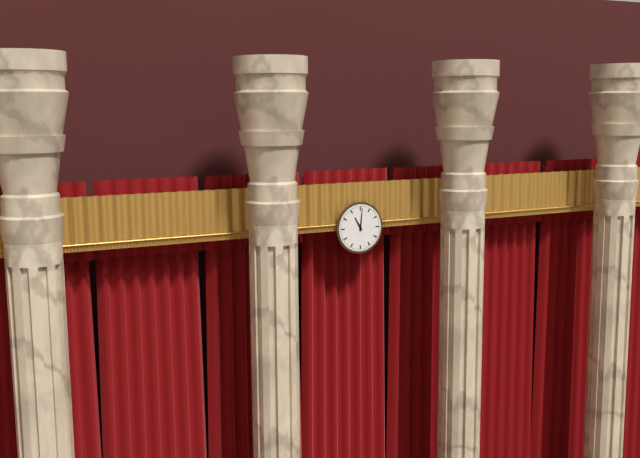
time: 11:01
